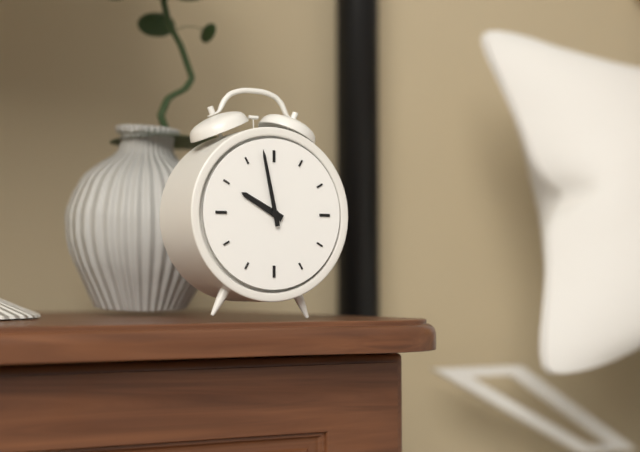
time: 9:58
